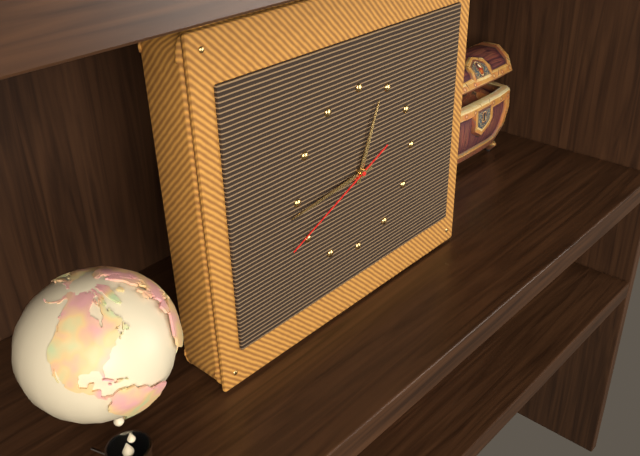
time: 12:44:41
